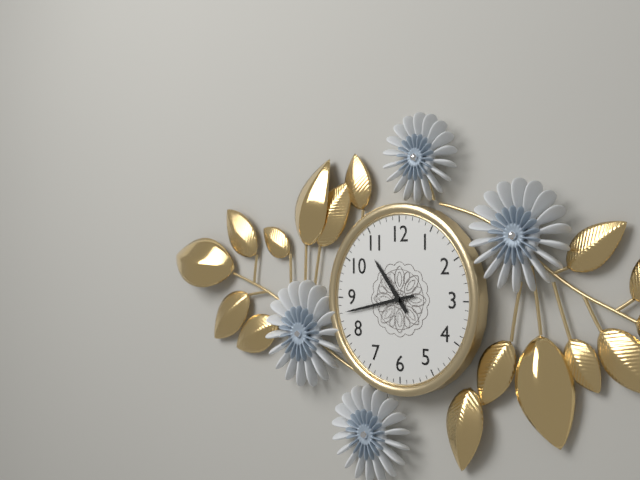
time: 10:43
